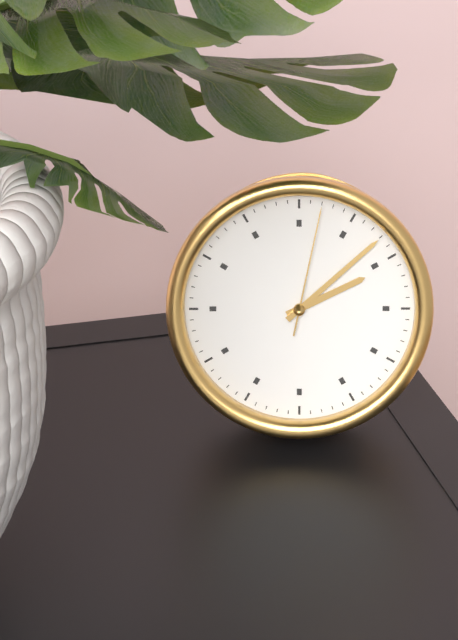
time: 2:08:02
